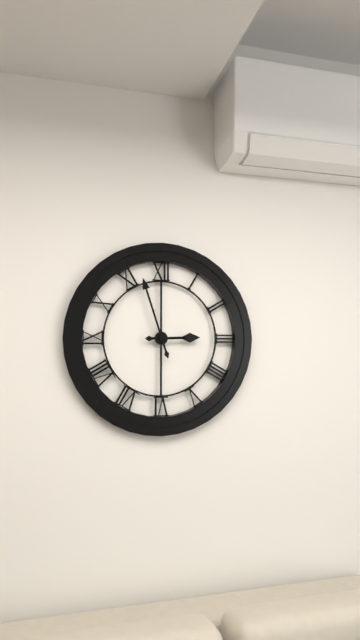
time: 2:57
